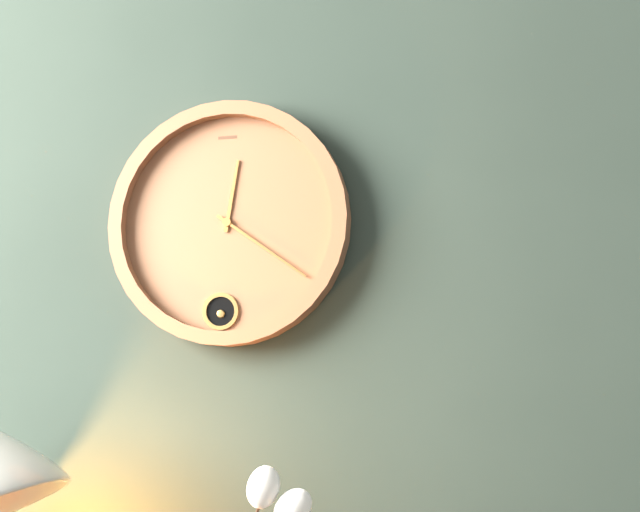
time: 12:21
